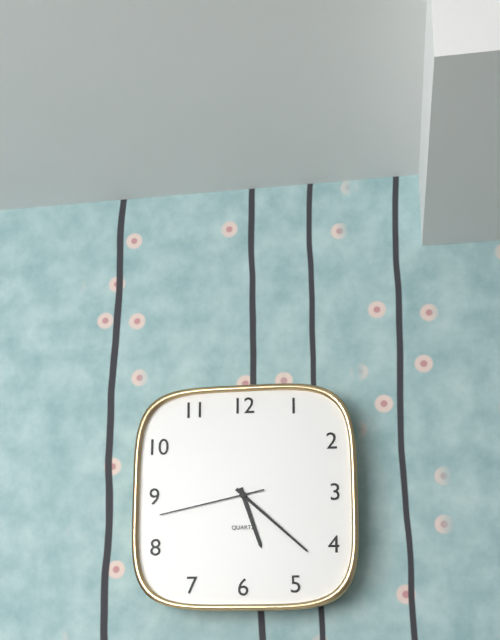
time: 5:22:43
